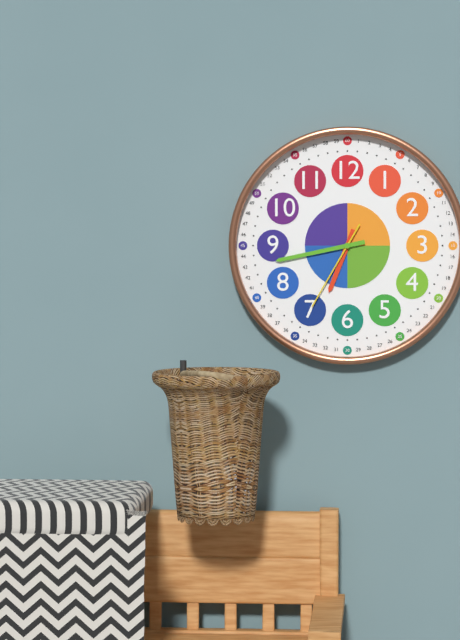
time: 6:43:35
